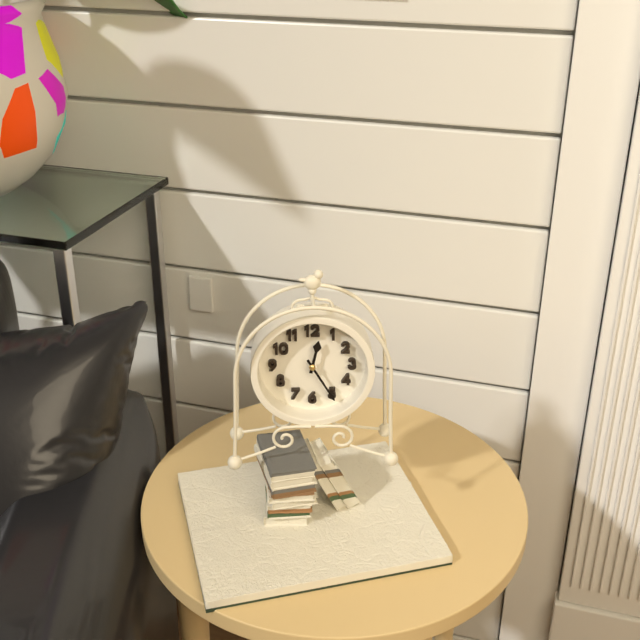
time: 12:25
